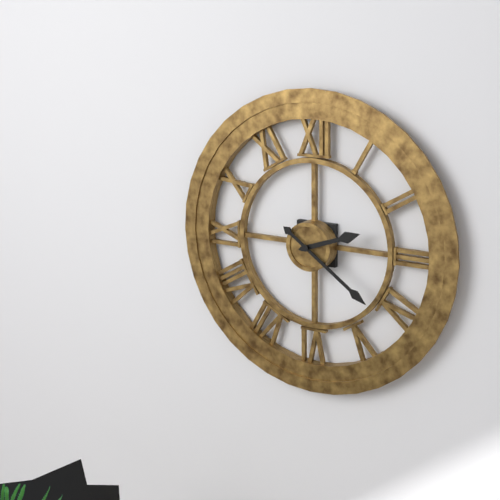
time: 2:21
